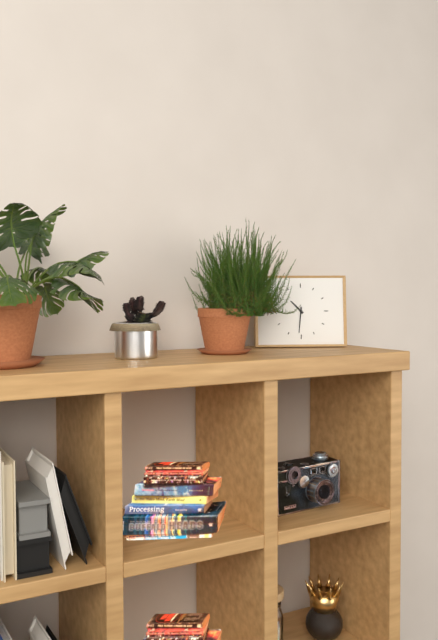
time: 10:31
